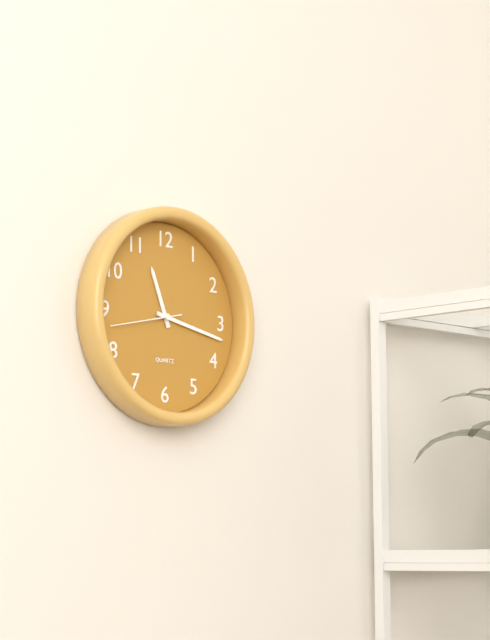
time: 11:17:43
